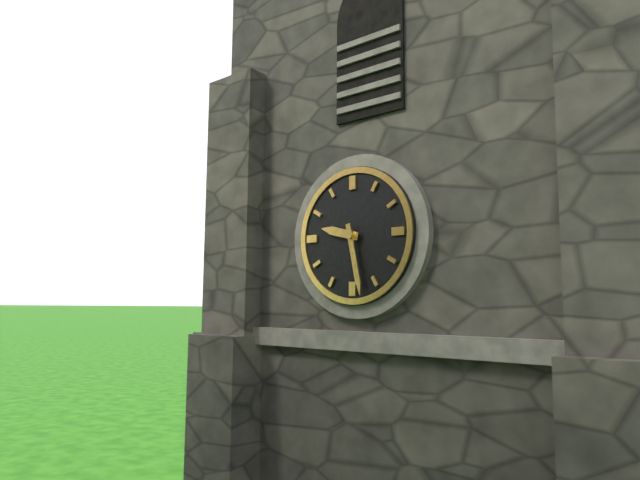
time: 9:28
